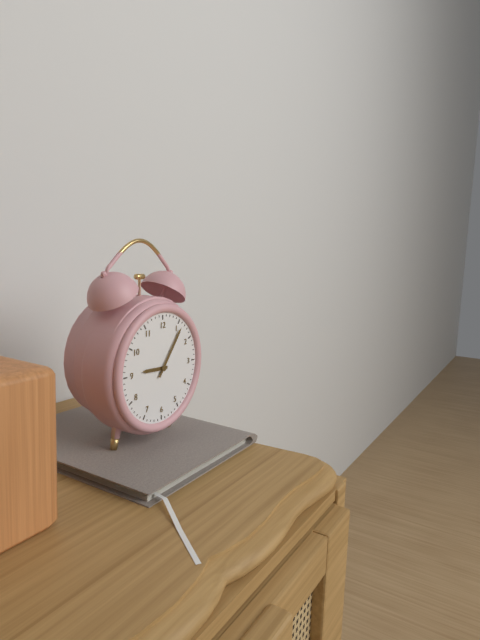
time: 9:06
